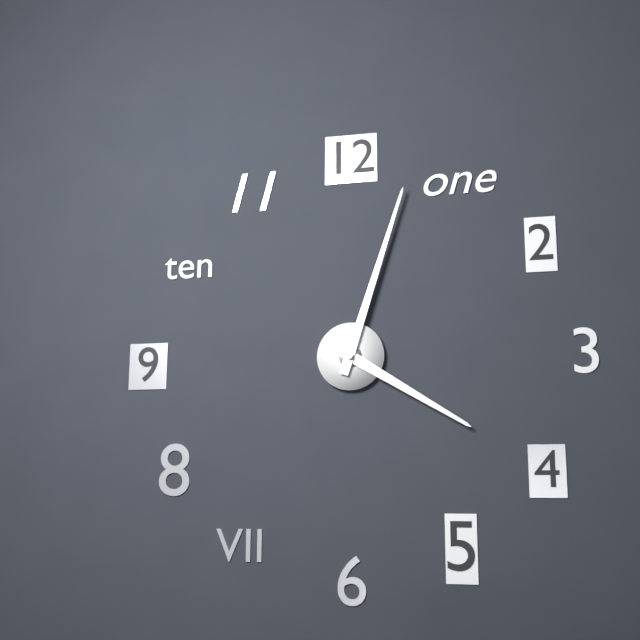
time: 4:03
